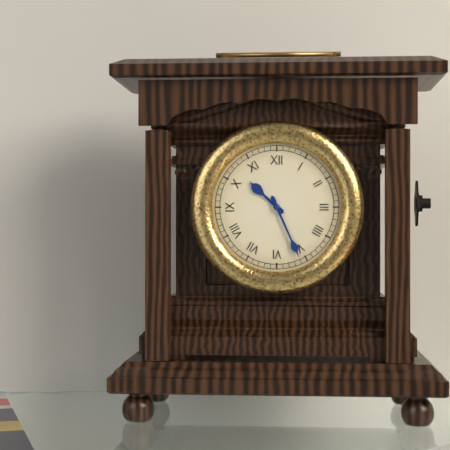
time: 10:26
